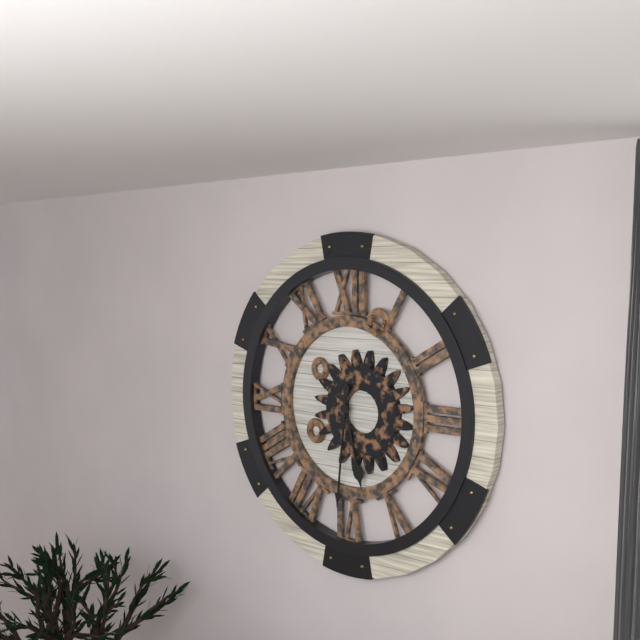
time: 5:31
